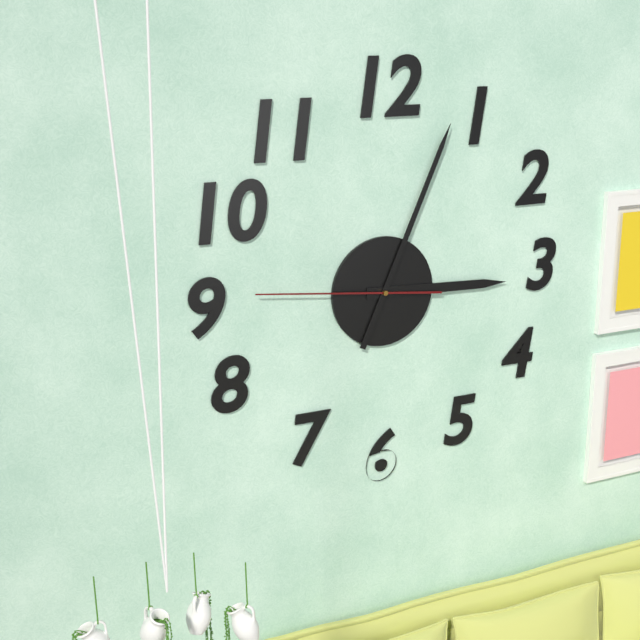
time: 3:04:46
